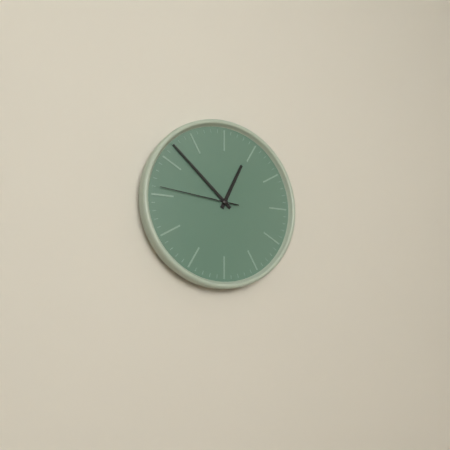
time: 12:52:46
